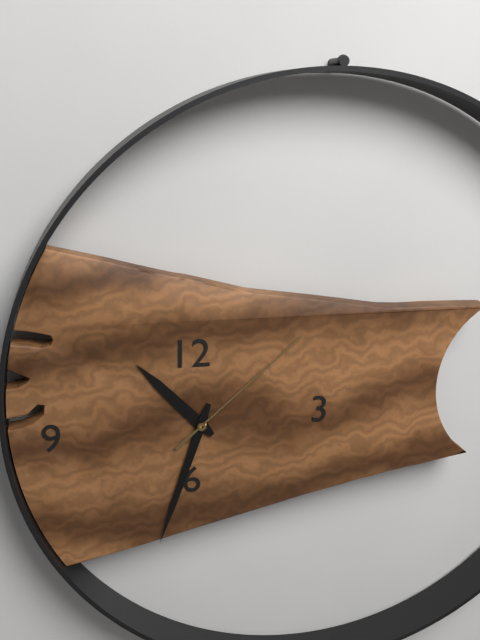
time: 10:33:08
